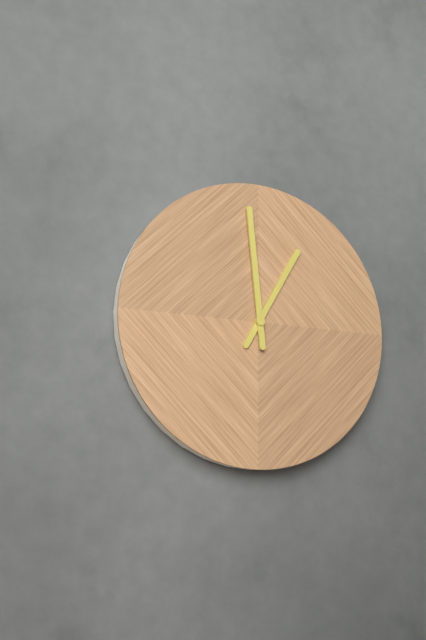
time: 12:59
